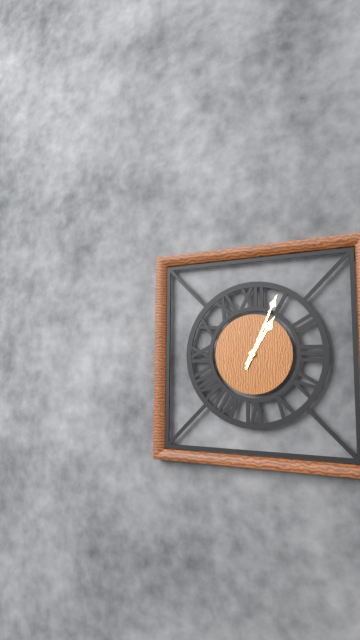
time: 1:04
